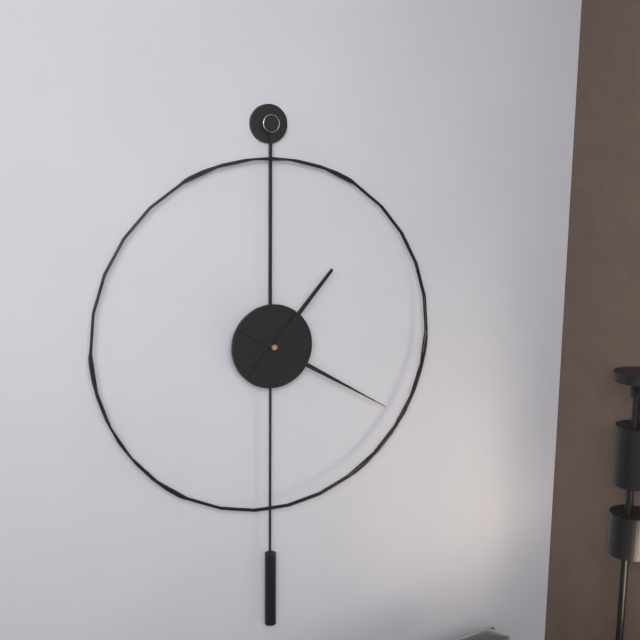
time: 1:20
